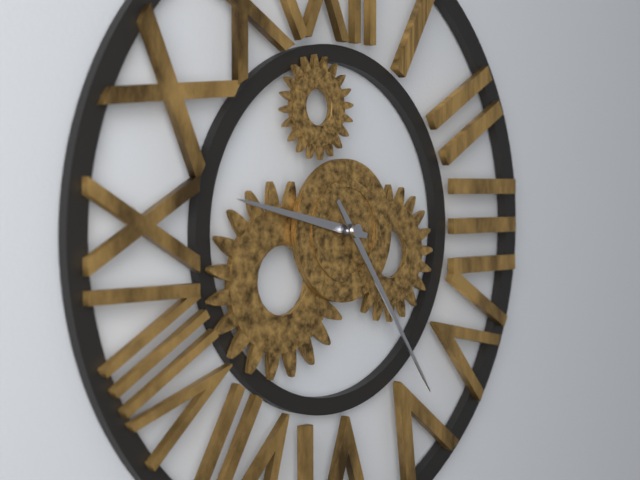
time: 9:24
